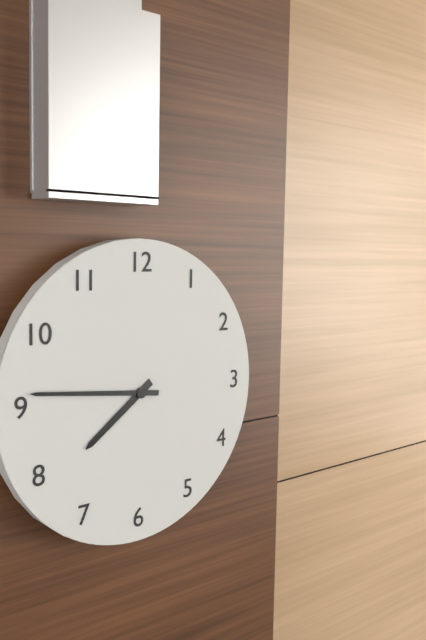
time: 7:46
